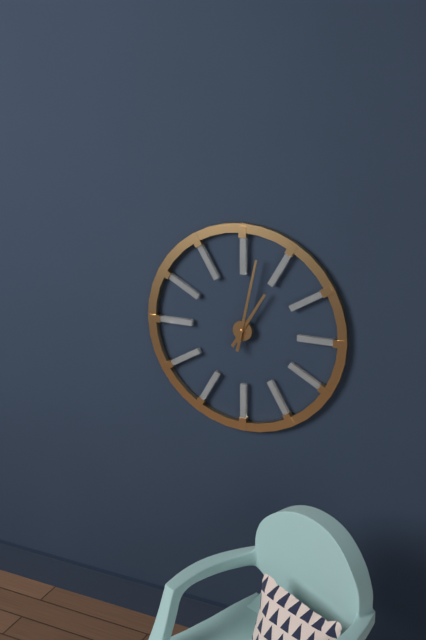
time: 1:02
